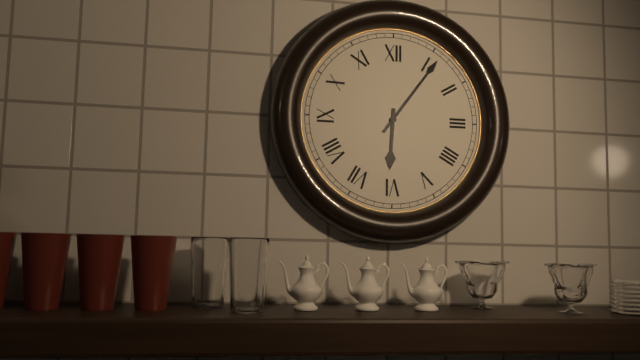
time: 6:06
